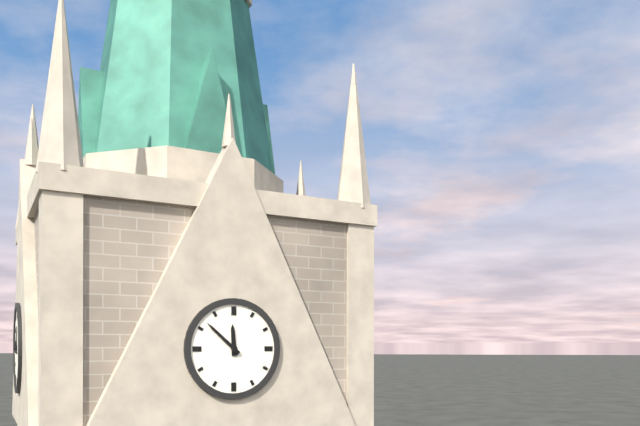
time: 11:52
